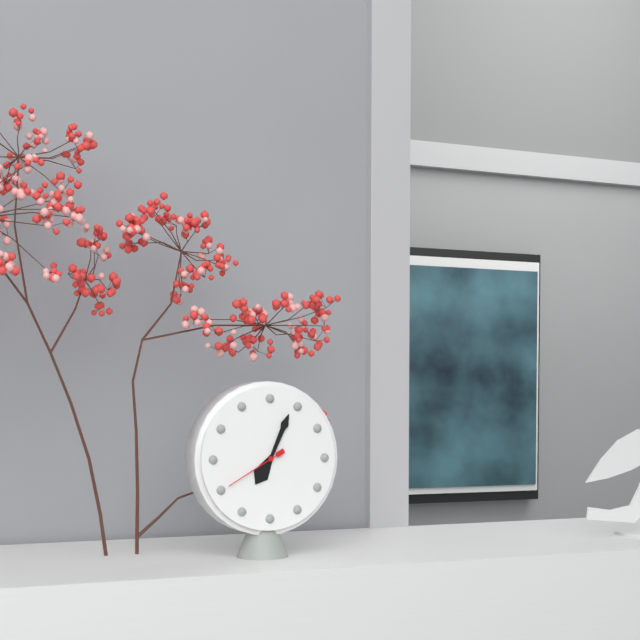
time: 7:04:40
